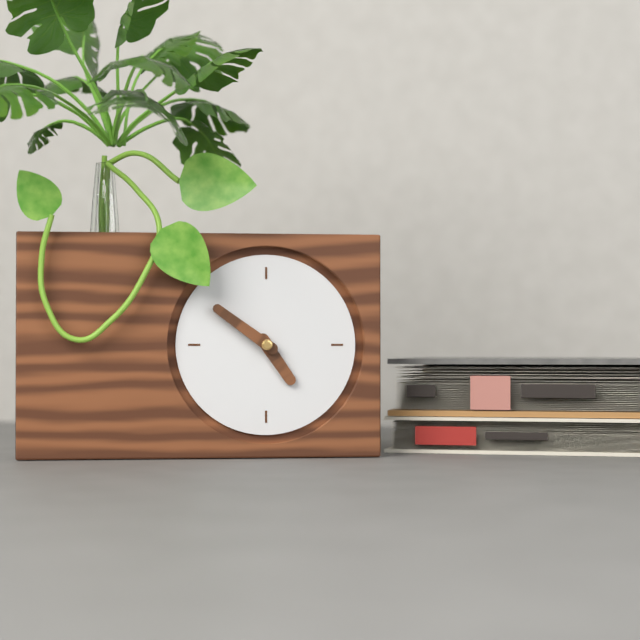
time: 4:51
